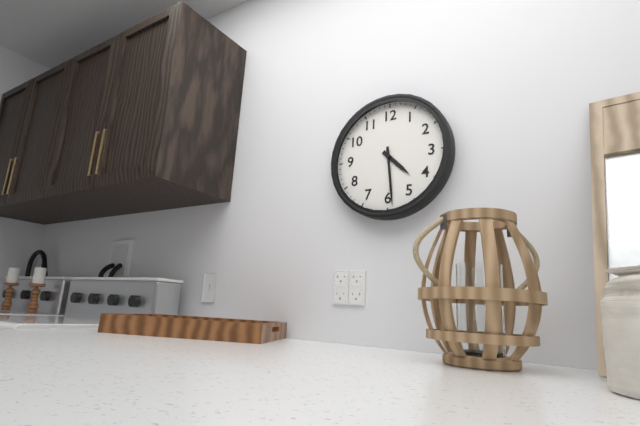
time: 4:29
